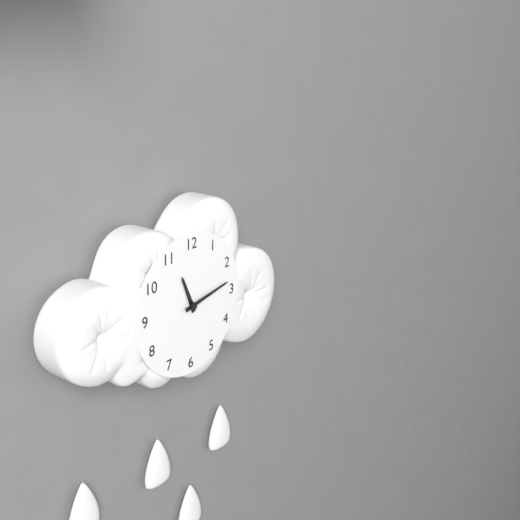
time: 11:13
